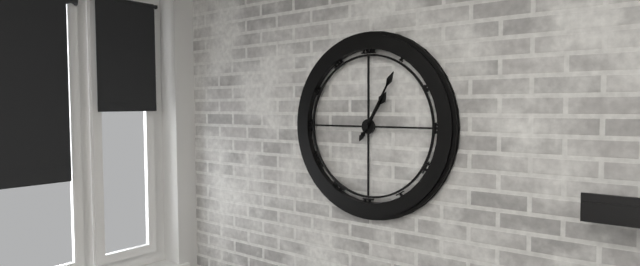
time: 1:05
